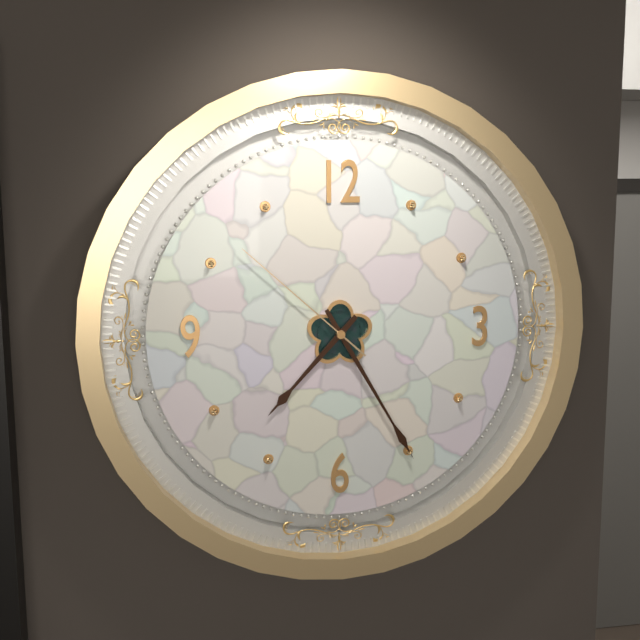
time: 7:25:52
